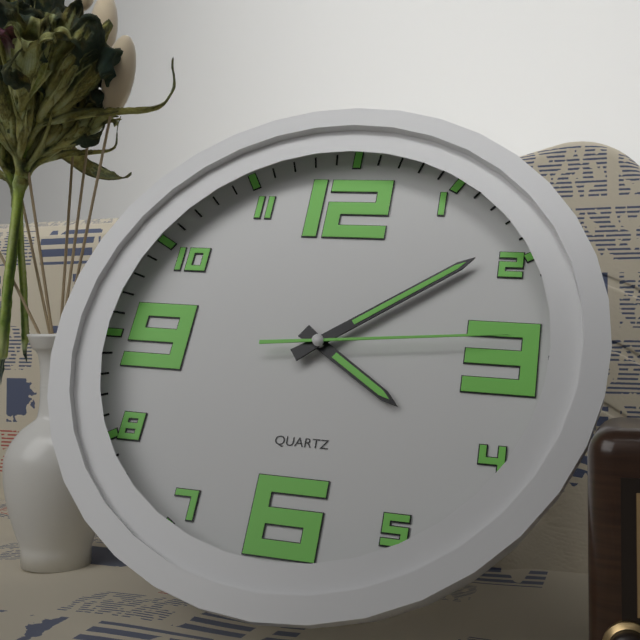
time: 4:09:14
